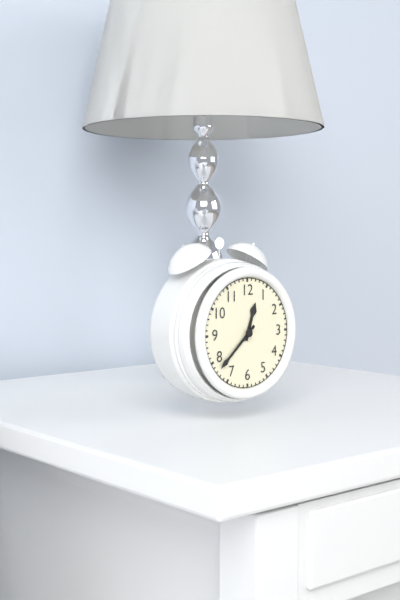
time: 12:38
